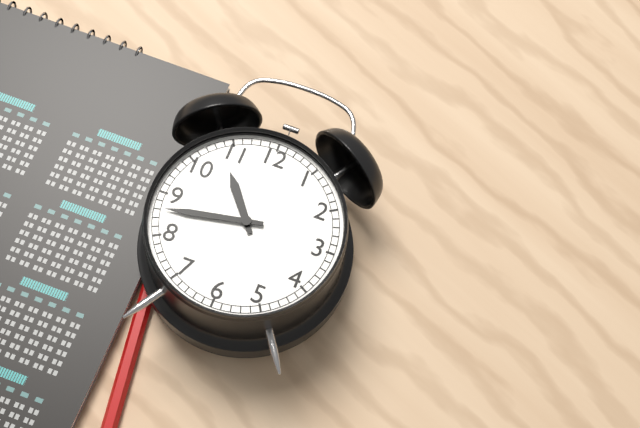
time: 10:43
